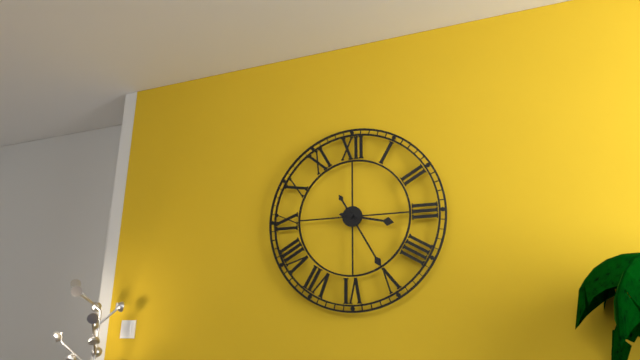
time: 3:25
